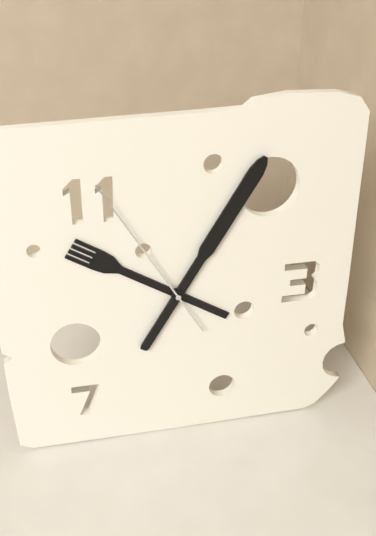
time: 10:05:55
